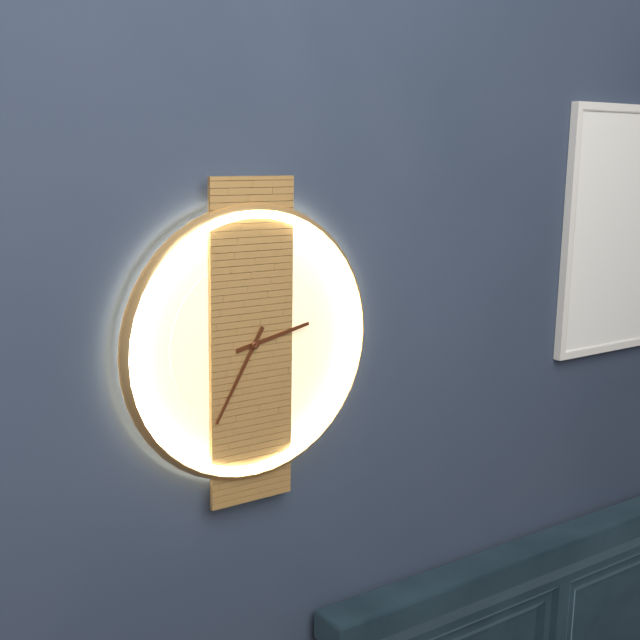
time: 2:35
